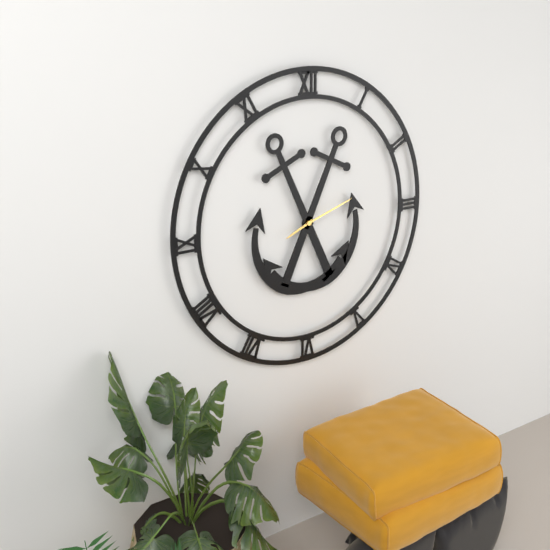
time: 8:12
